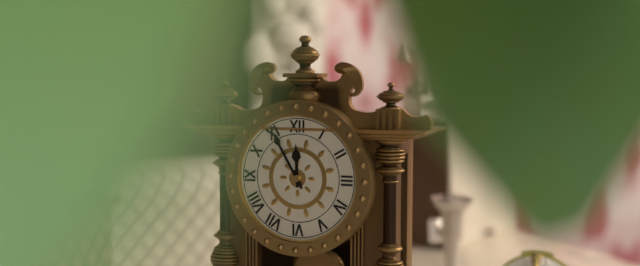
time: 11:55
